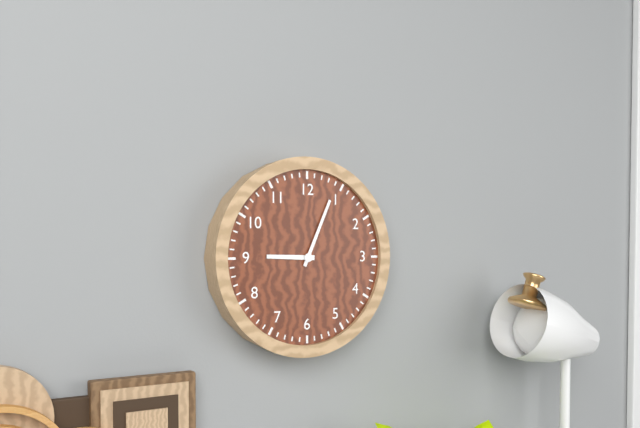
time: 9:04
